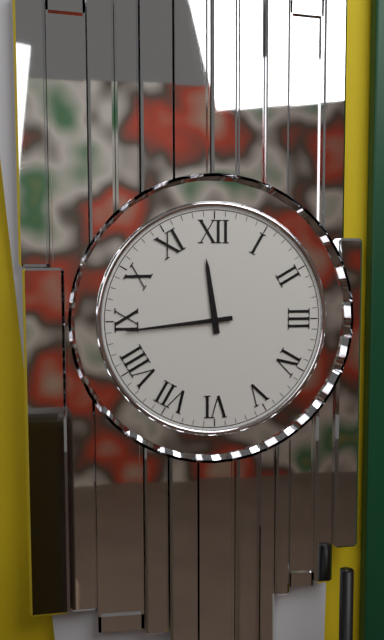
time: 11:44
